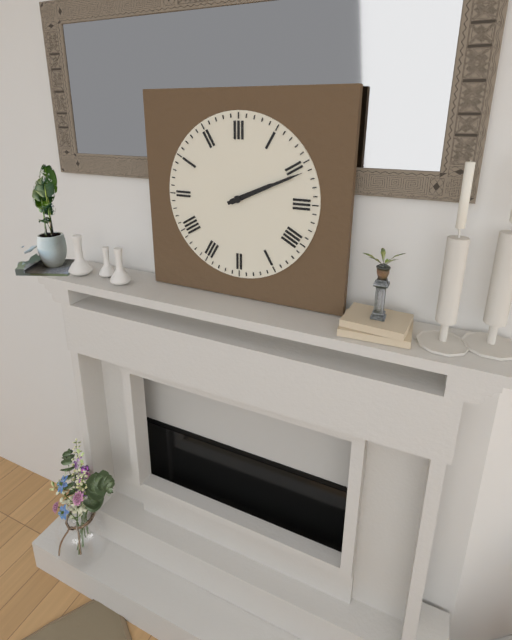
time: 2:11
